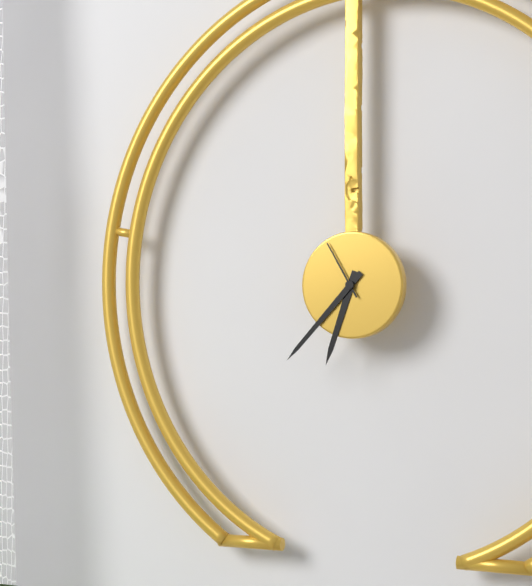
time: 6:37:55
